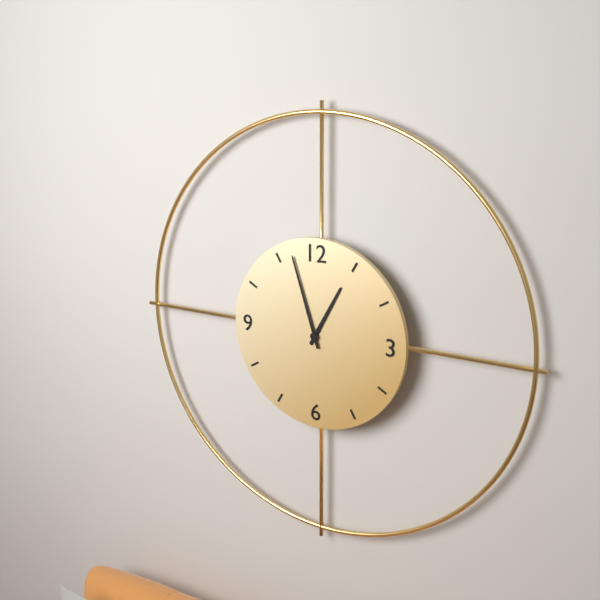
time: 12:57
